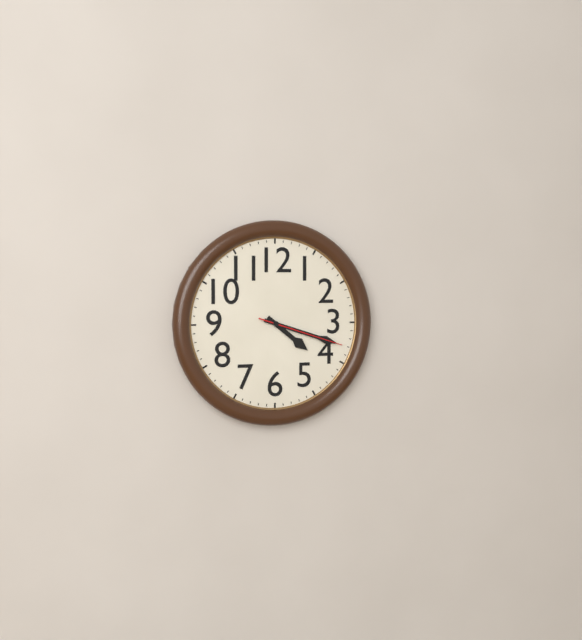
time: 4:18:18
